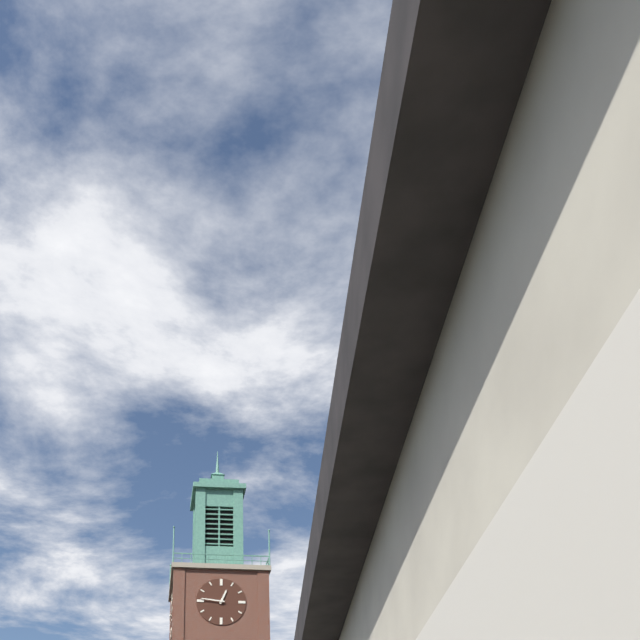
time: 12:46
